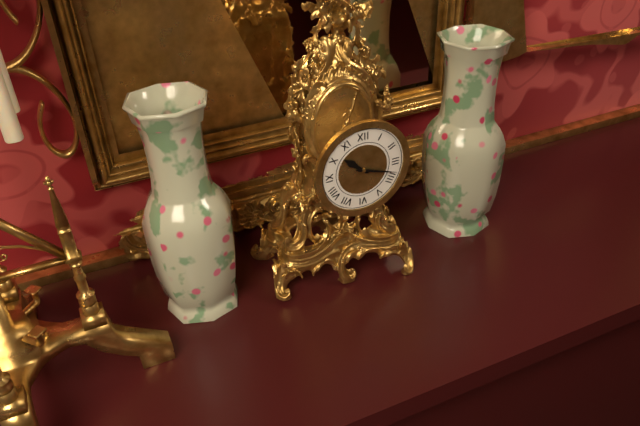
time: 10:18
